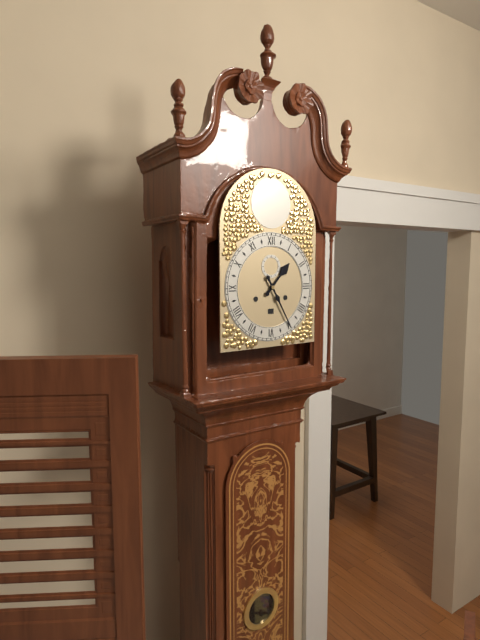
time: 1:25
